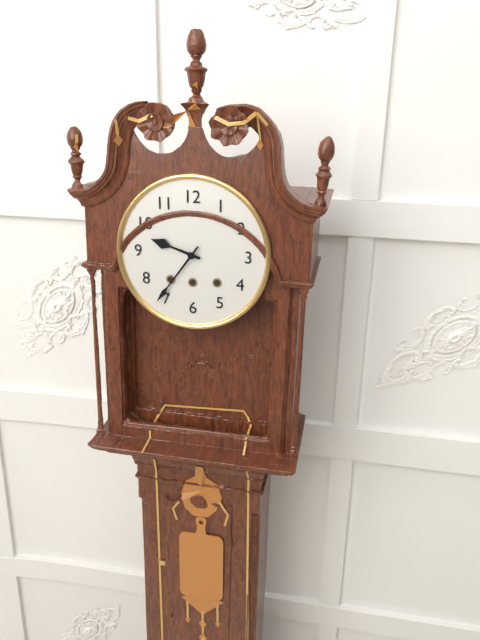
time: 9:36
